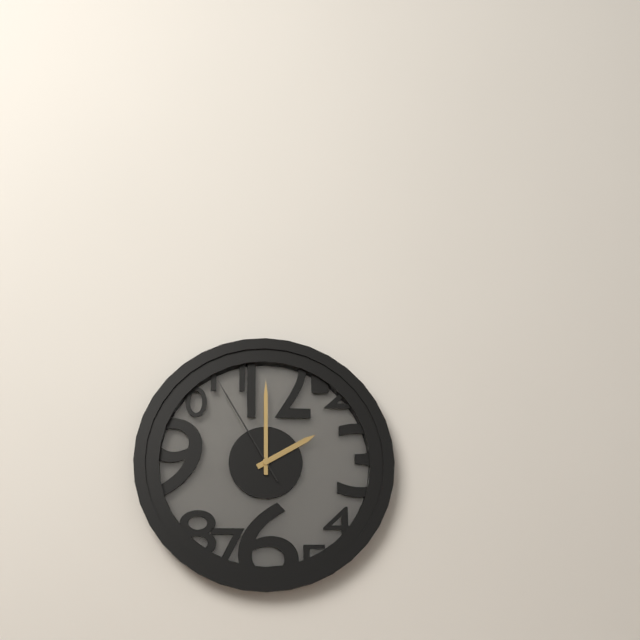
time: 2:00:55
